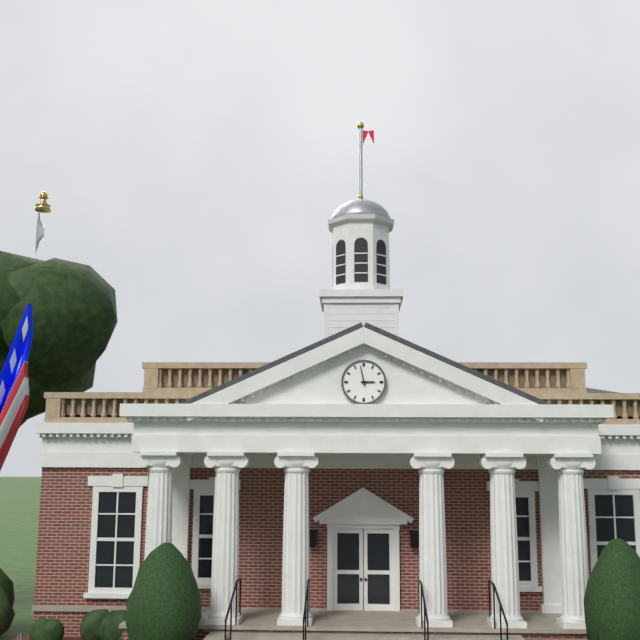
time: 2:58
